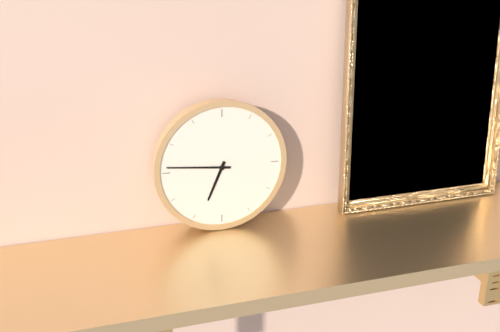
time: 6:46
